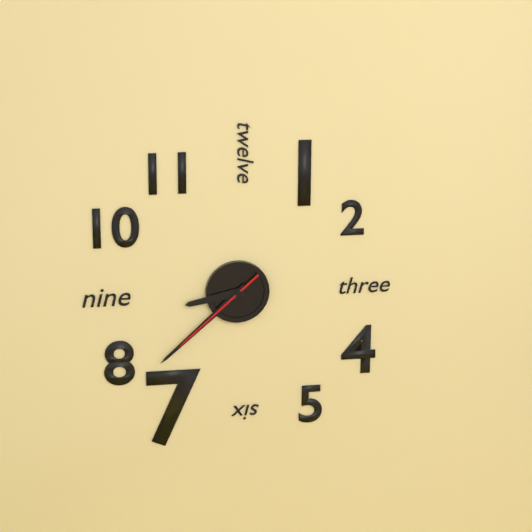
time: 8:38:38
